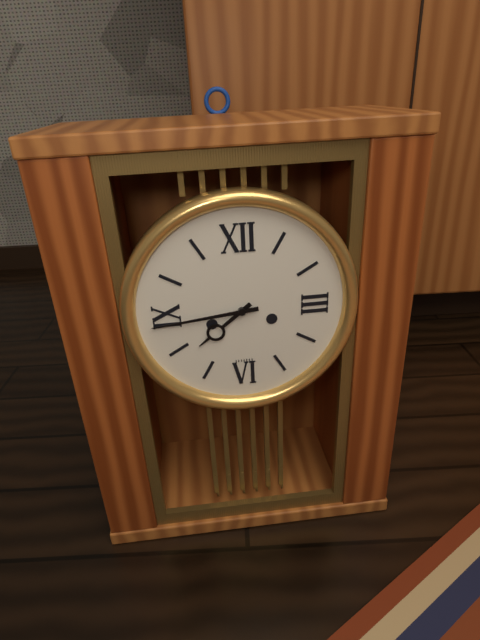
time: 7:44
